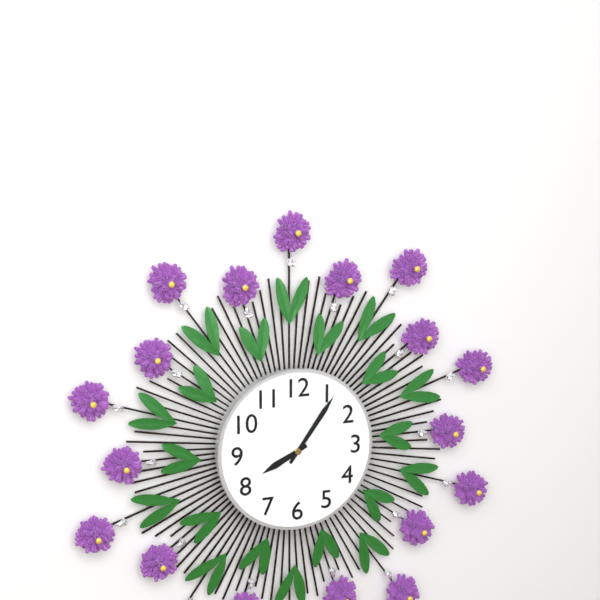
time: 8:06
